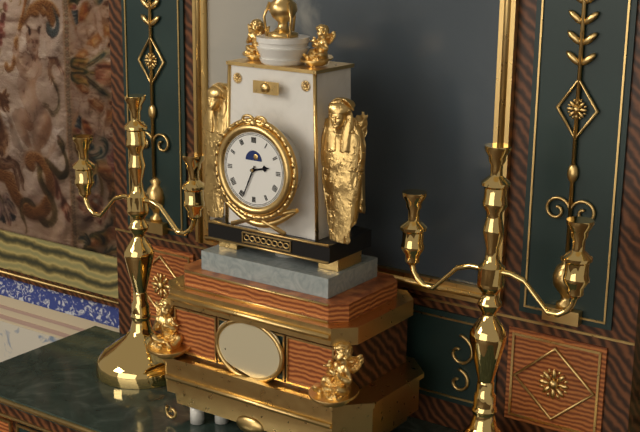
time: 2:34
